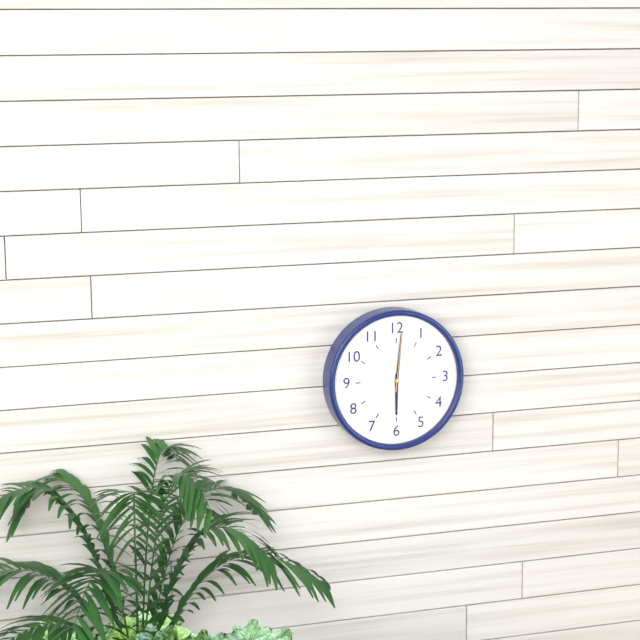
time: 6:01:01
